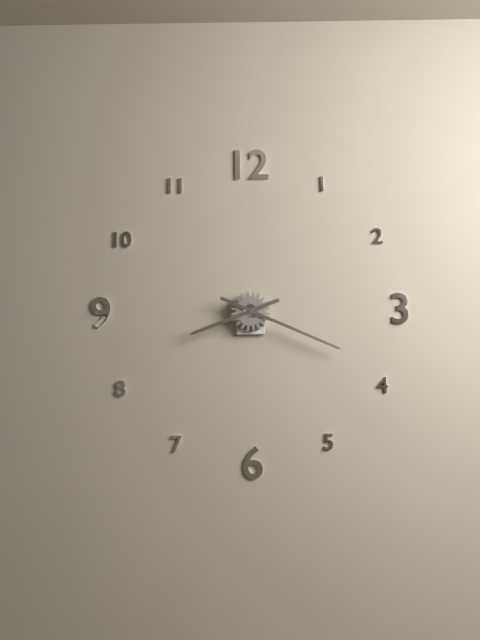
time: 8:19
